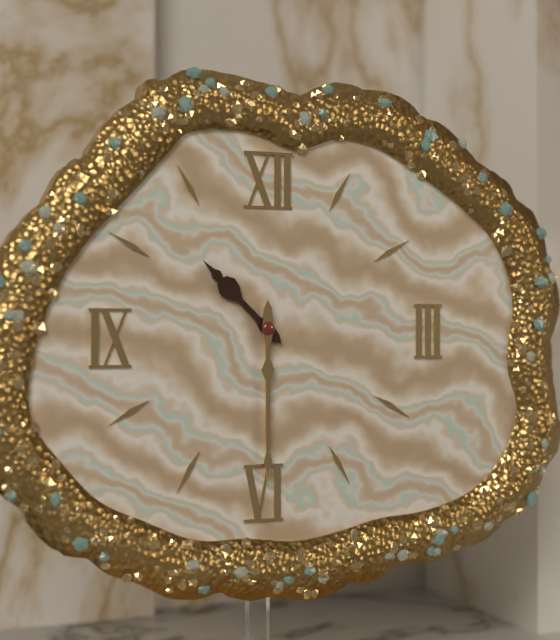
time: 10:30
